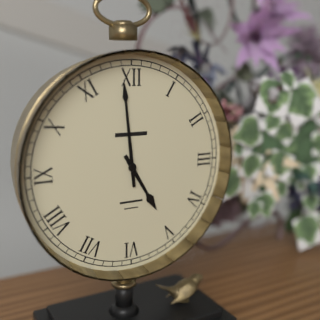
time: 4:59
